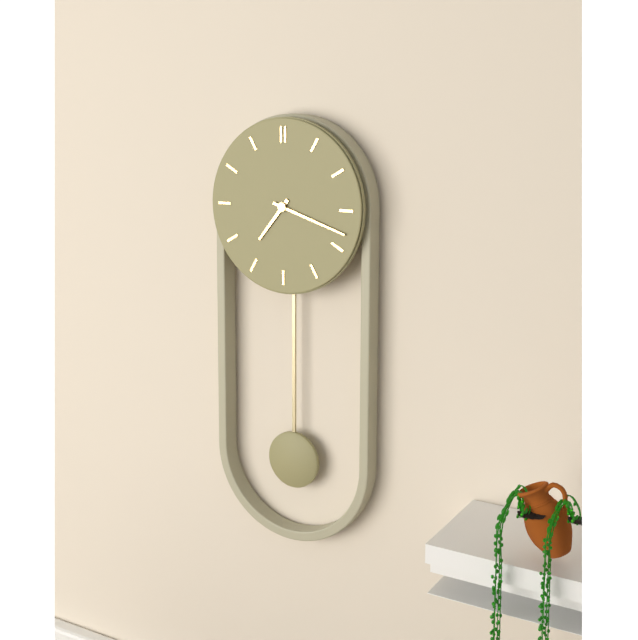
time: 7:18
